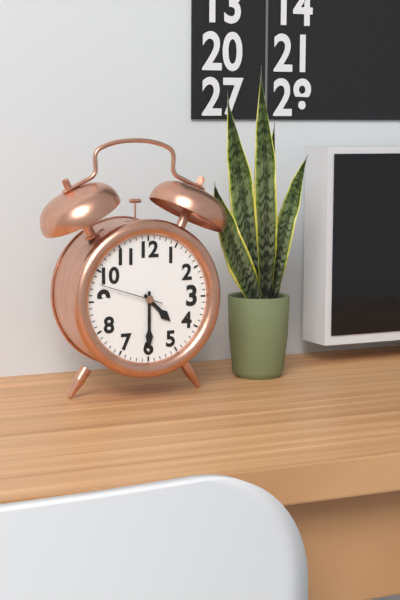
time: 4:30:48
